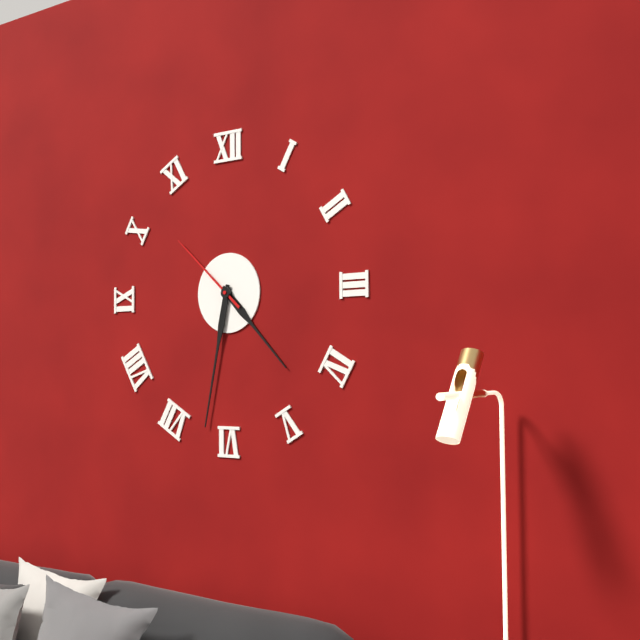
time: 4:32:52
